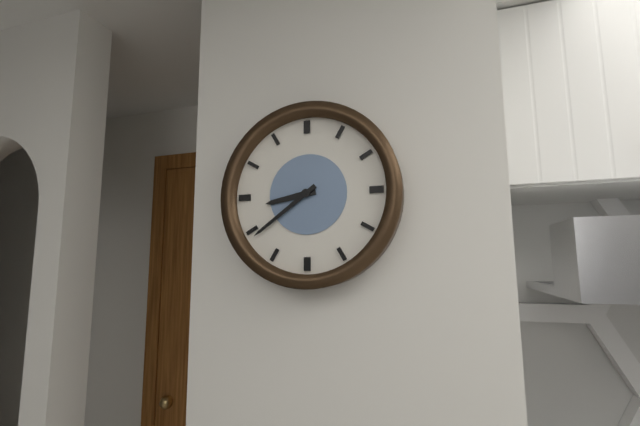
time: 8:39
